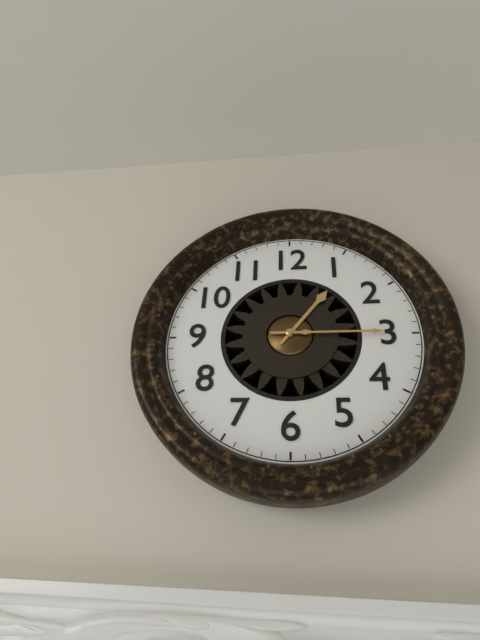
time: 1:15
